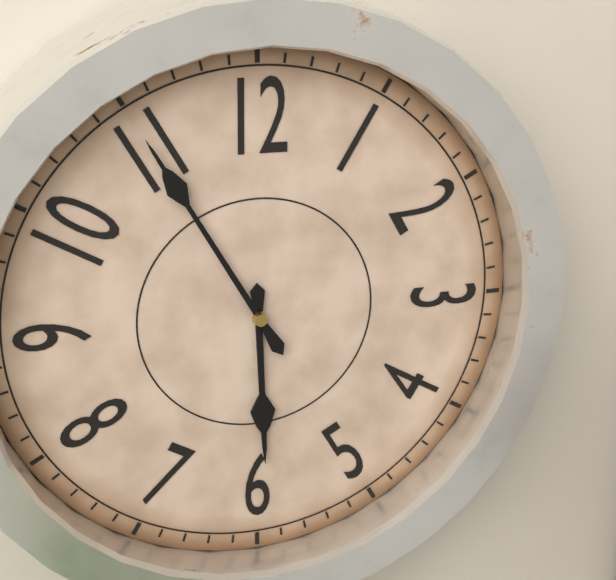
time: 5:55
